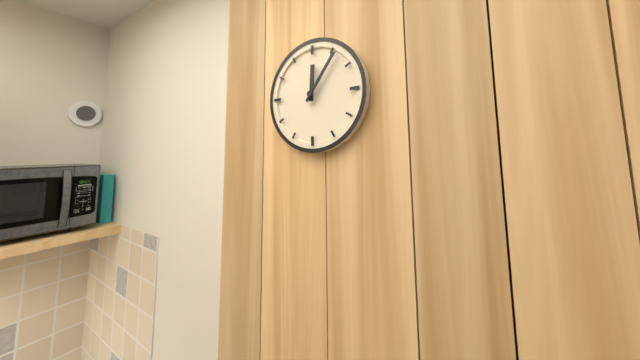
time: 12:06
